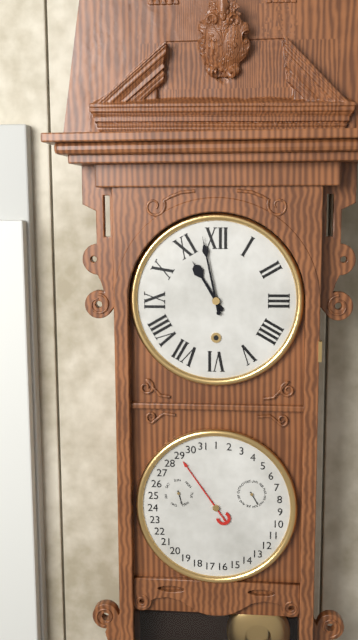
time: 10:58
